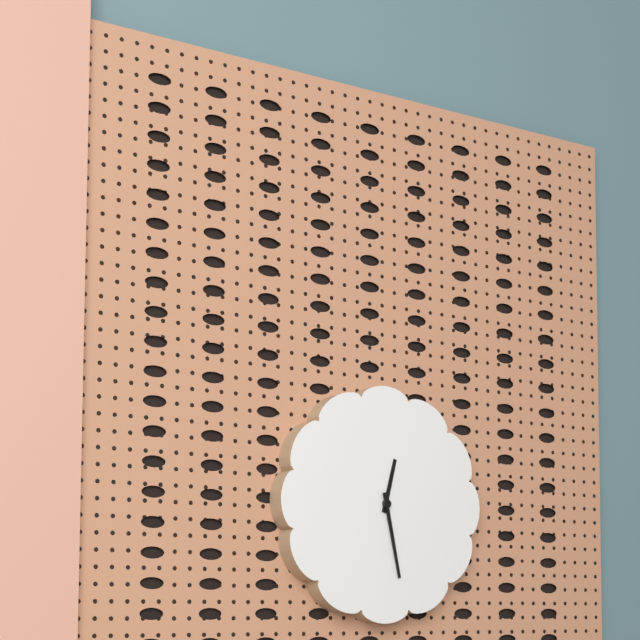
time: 12:28
